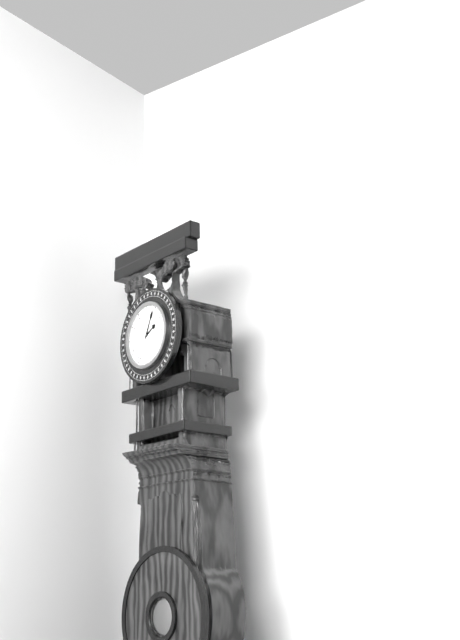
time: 2:04
